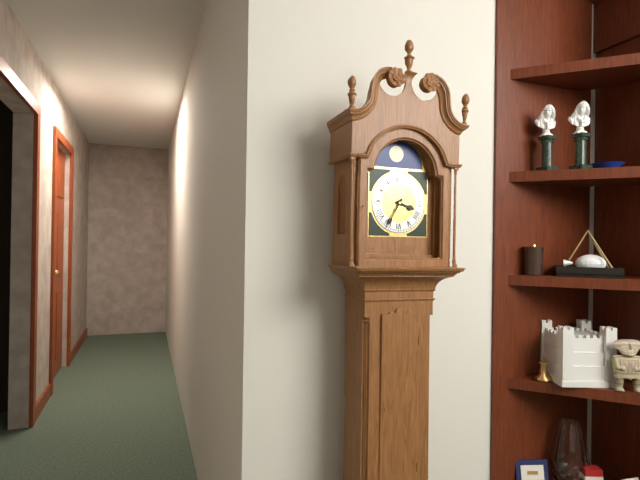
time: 3:35
